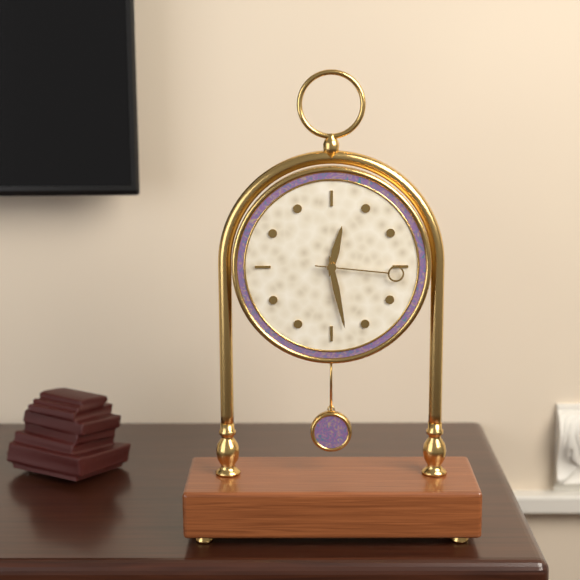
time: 12:28:16
